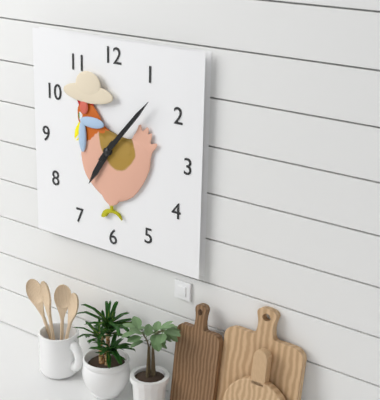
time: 7:07
